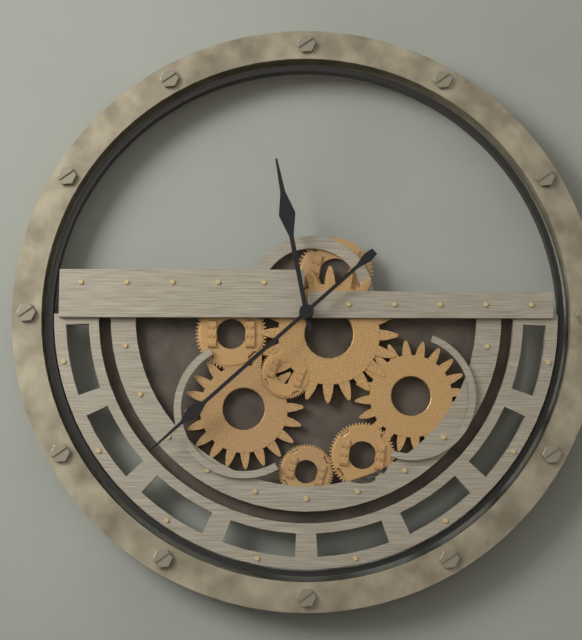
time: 11:38
